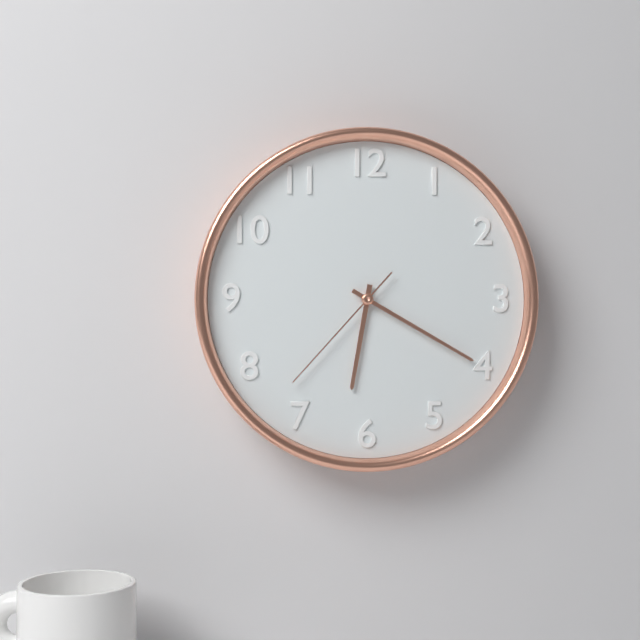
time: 6:20:37
